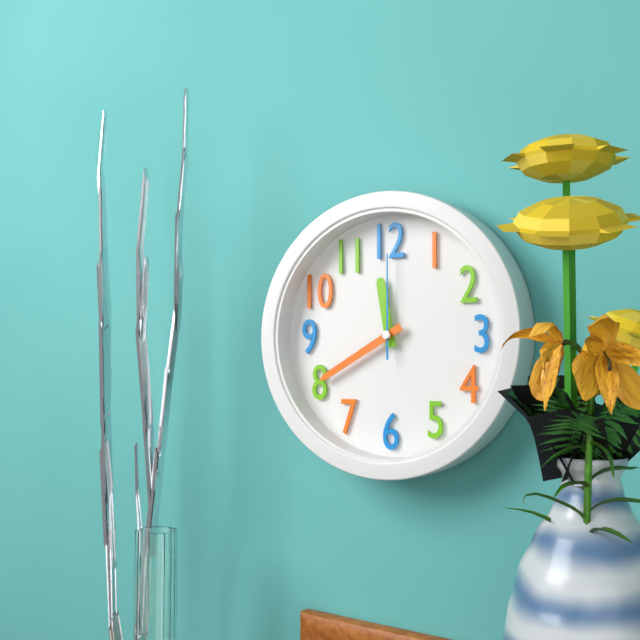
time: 11:40:00
